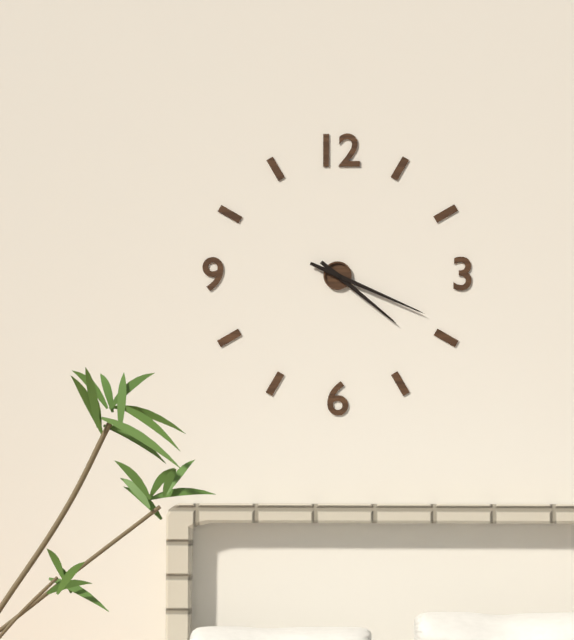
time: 4:19
